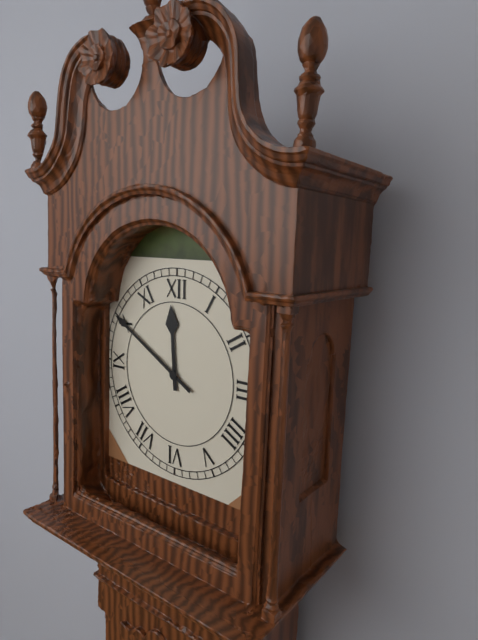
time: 11:50
